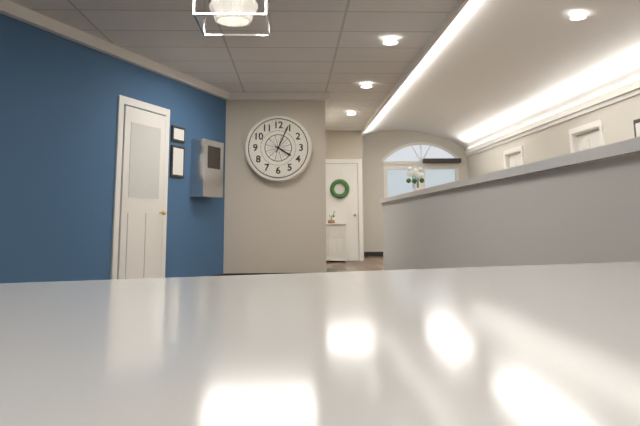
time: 4:04
